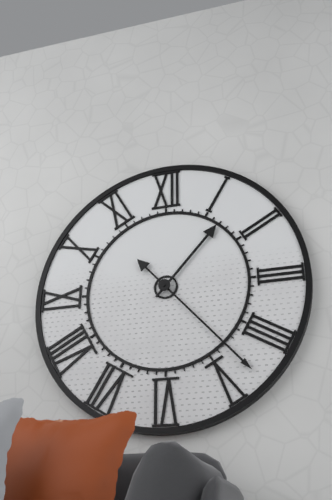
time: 1:23
